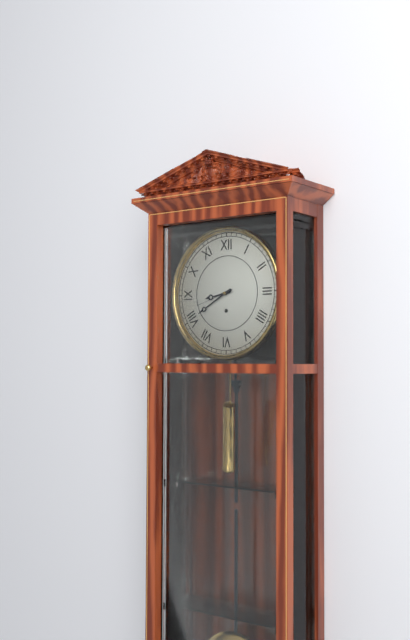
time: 8:40:42
